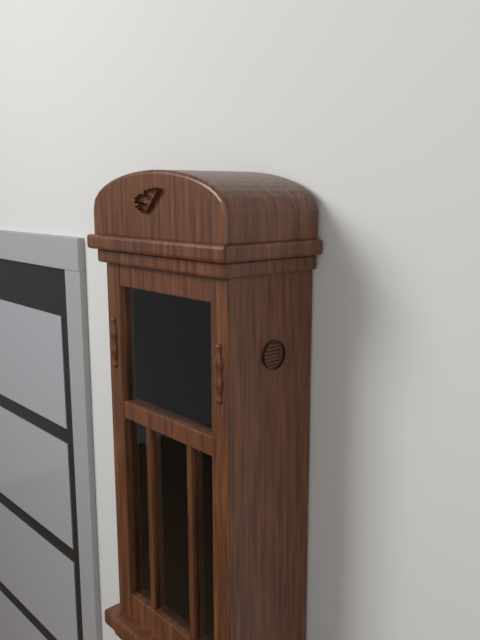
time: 12:33
